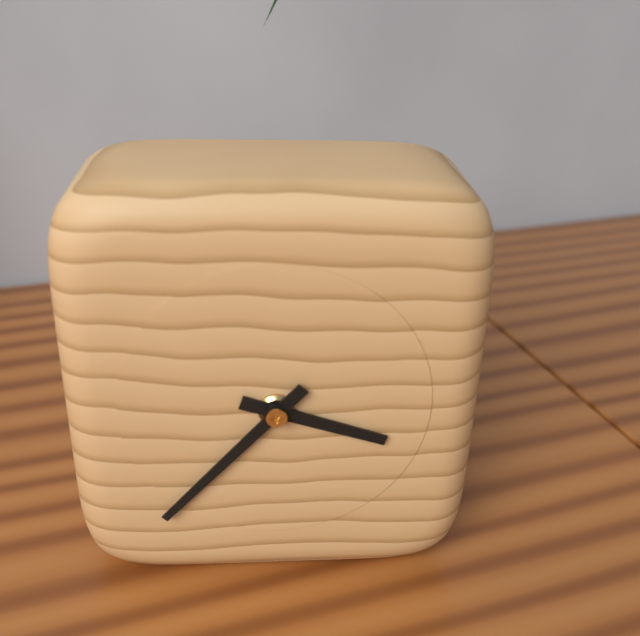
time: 3:37
